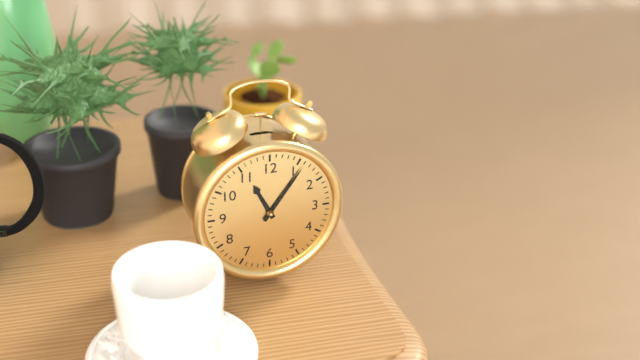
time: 11:06
